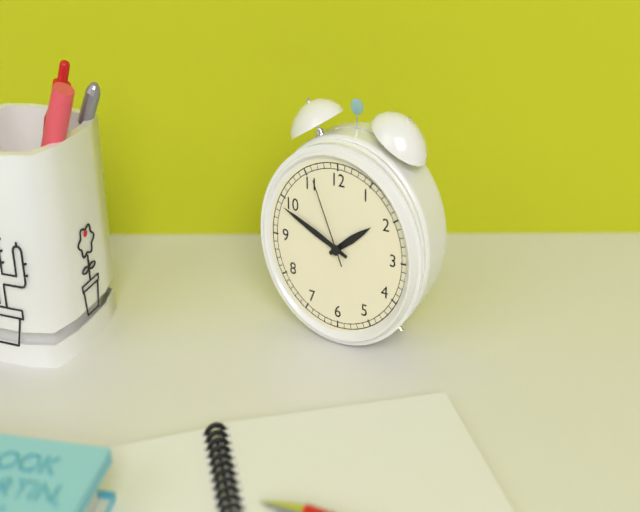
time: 1:49:56
